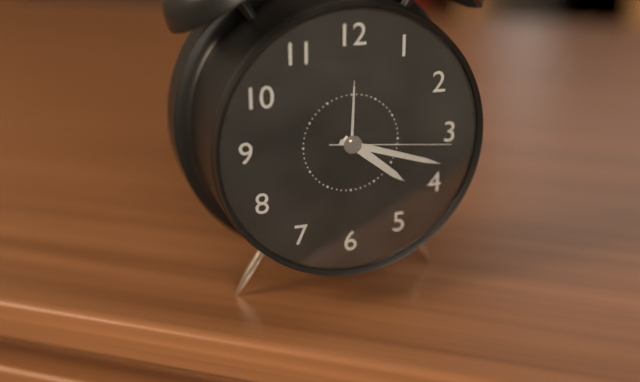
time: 4:18:16
